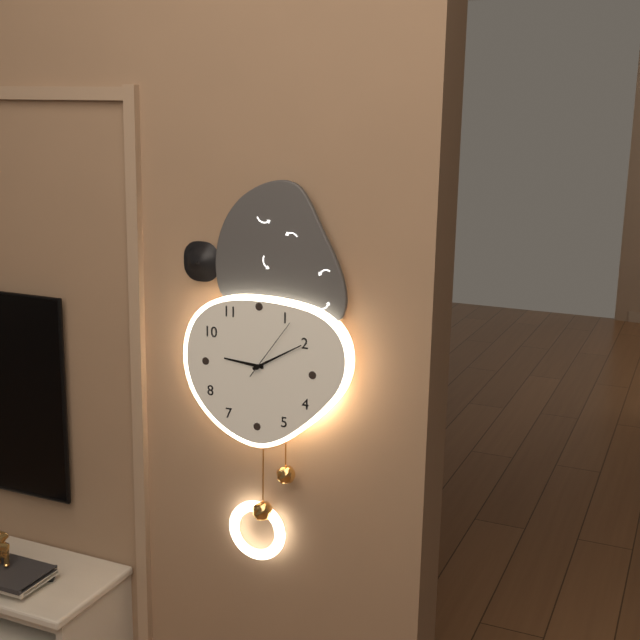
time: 9:10:06
